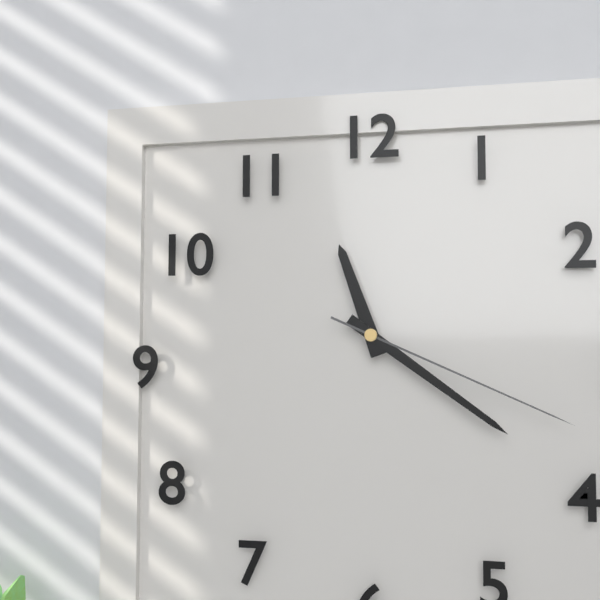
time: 11:21:19
